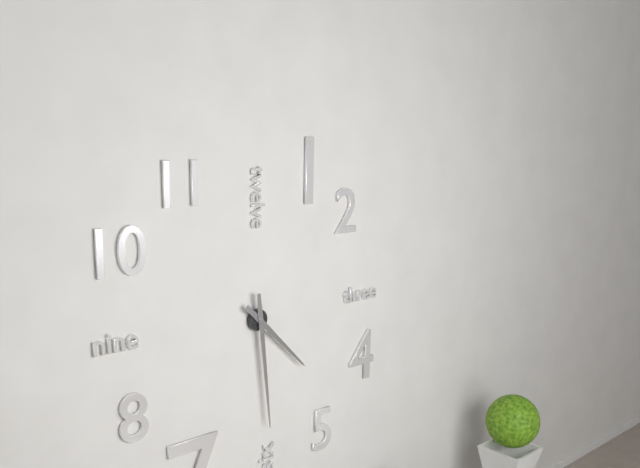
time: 4:29
